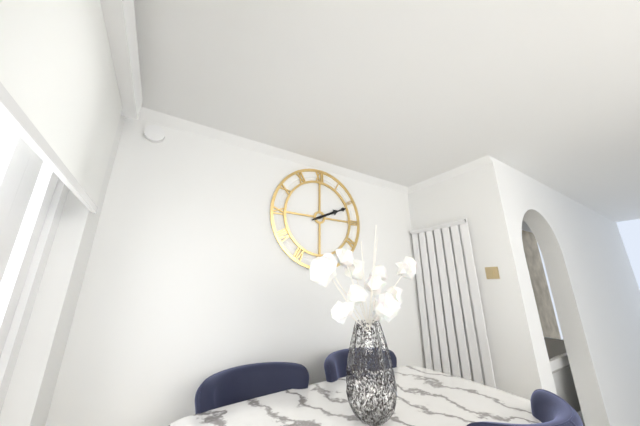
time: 2:11
